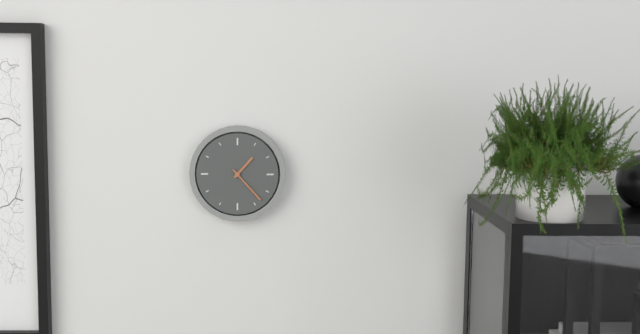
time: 1:23
